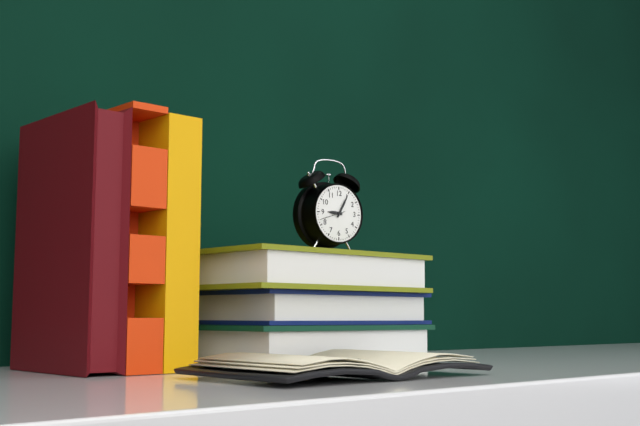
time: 9:05
